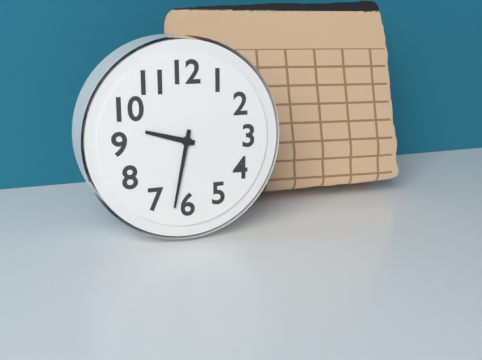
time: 9:32
